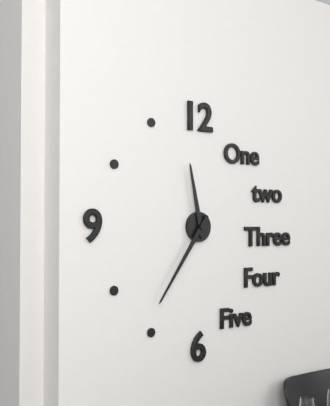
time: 11:36
